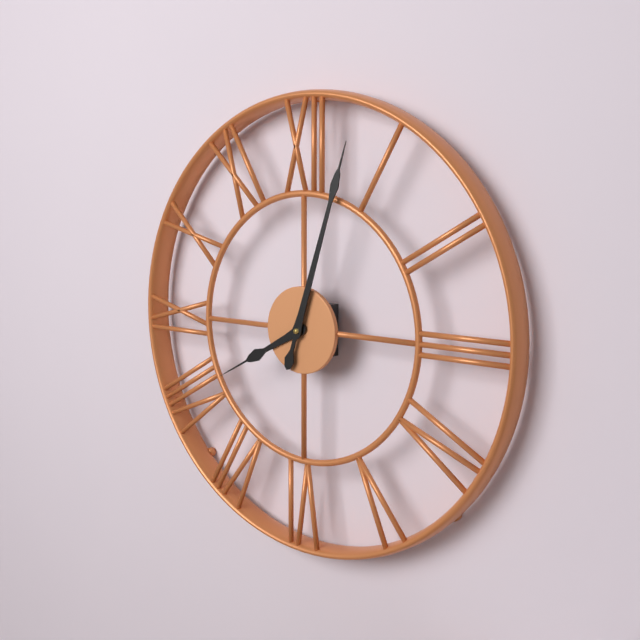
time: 8:03
